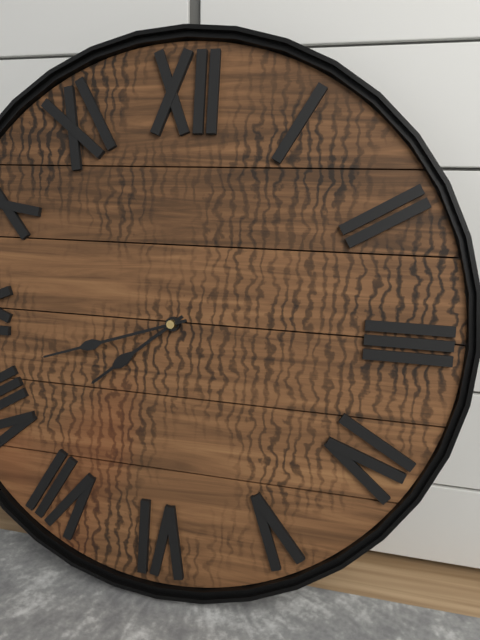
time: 7:42
